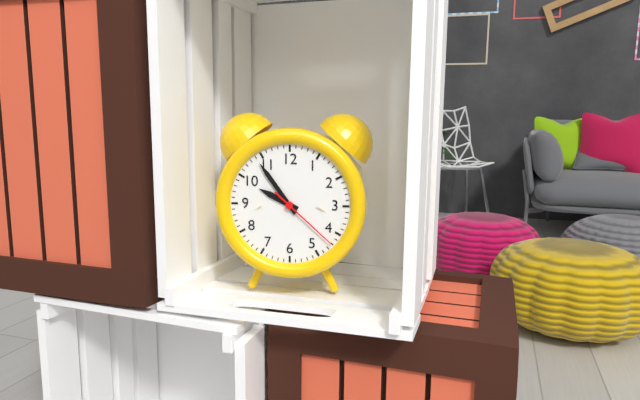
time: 9:54:22
